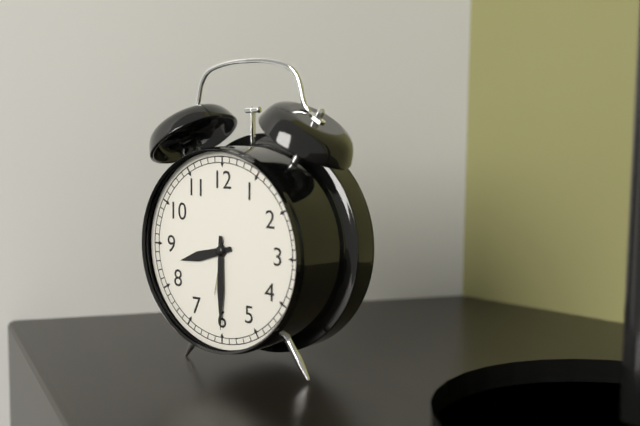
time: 8:30
